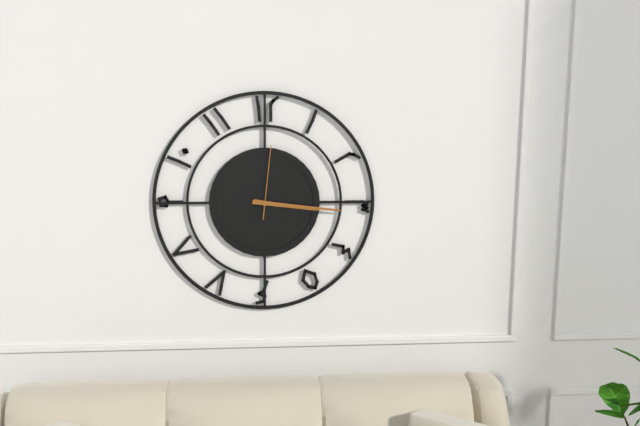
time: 3:16:01
